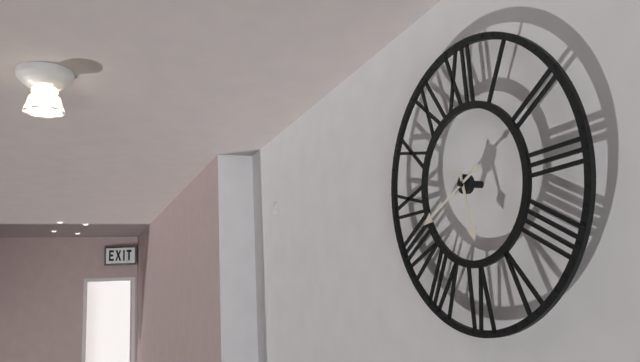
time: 5:41
